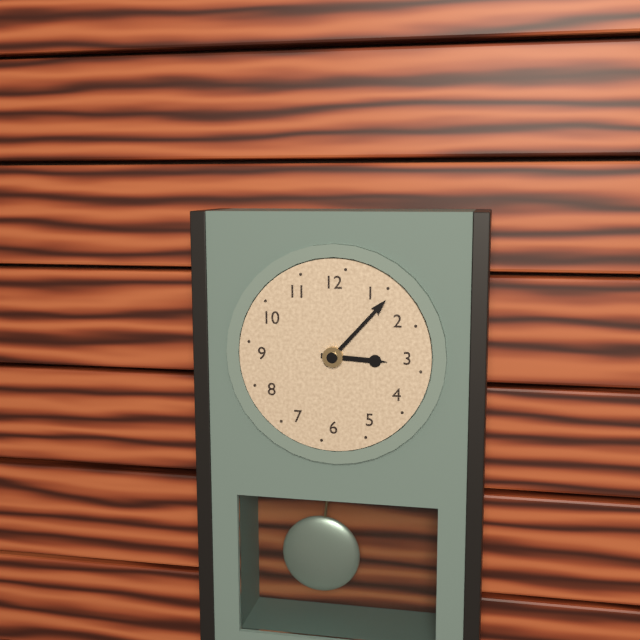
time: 3:07
